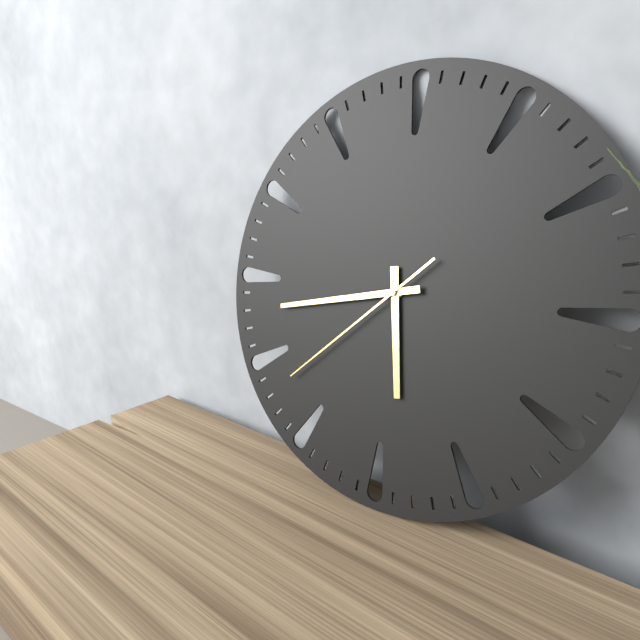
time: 5:43:38
